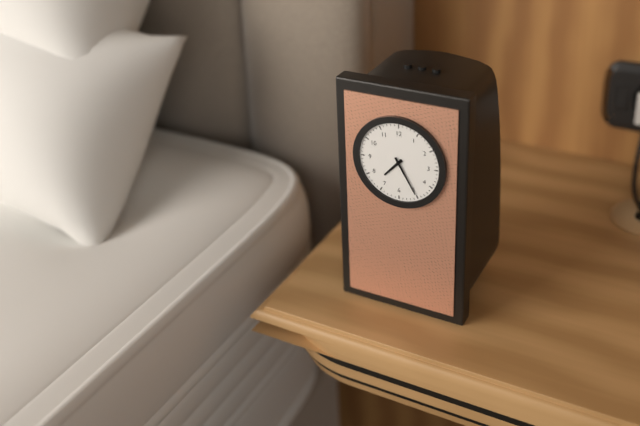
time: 7:25
